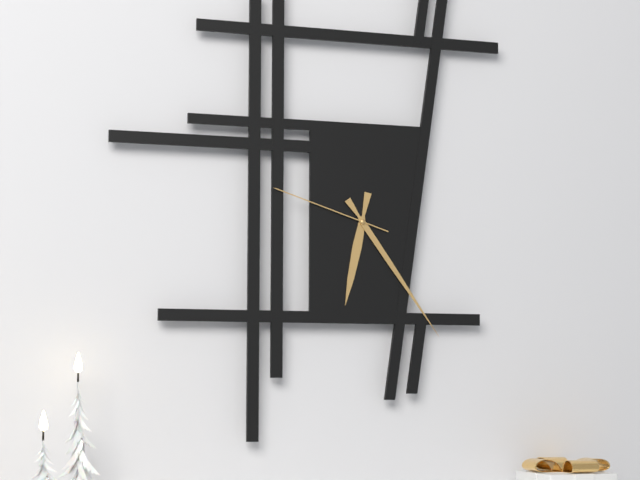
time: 6:24:48
